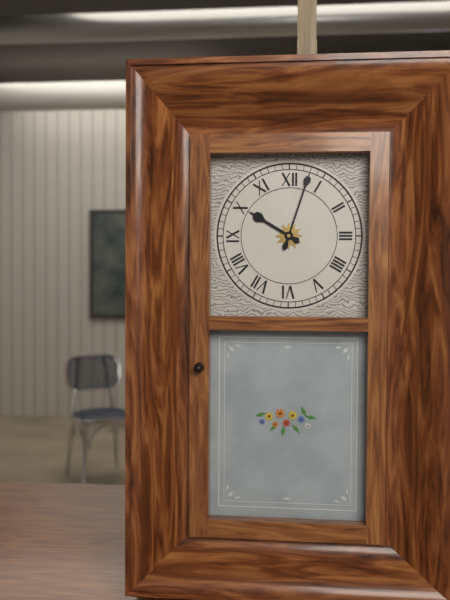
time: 10:03
